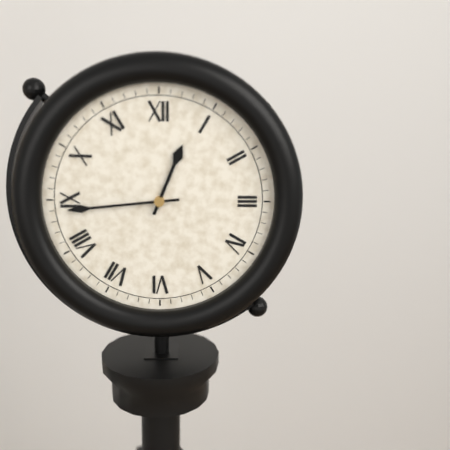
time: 12:44
